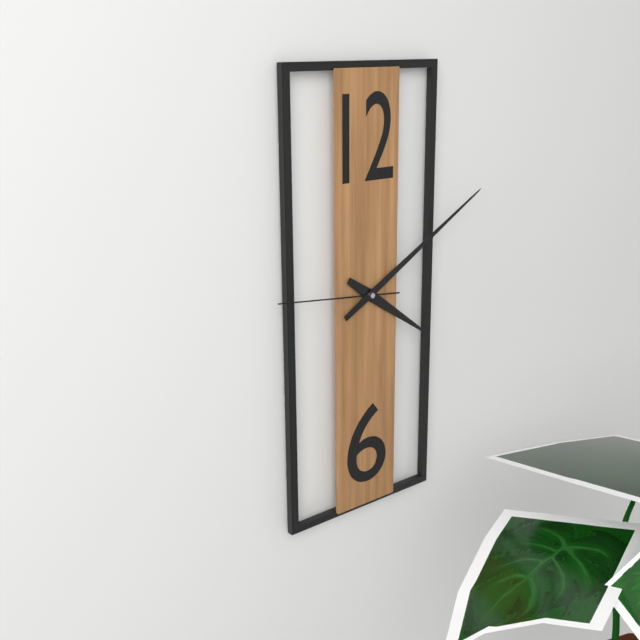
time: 4:10:46
